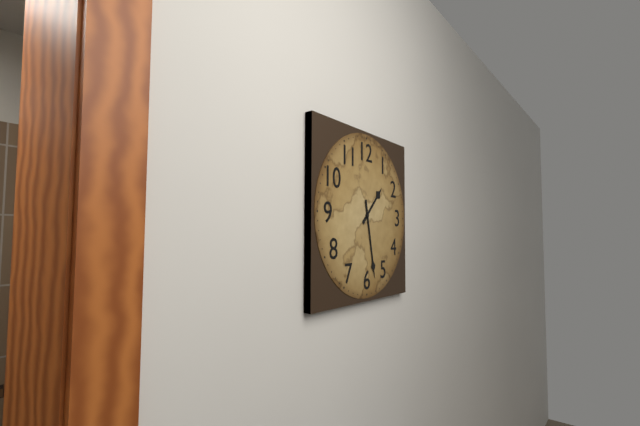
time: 1:28
